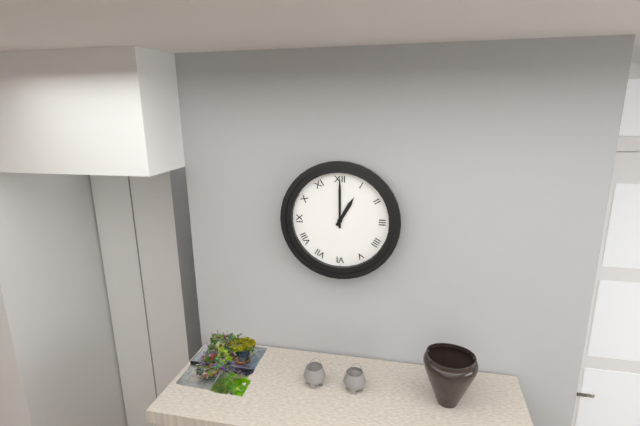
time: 1:00
